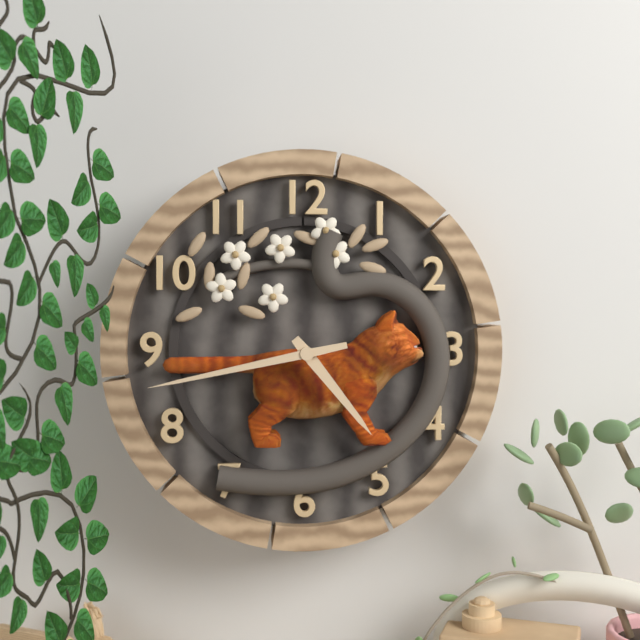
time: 4:43
